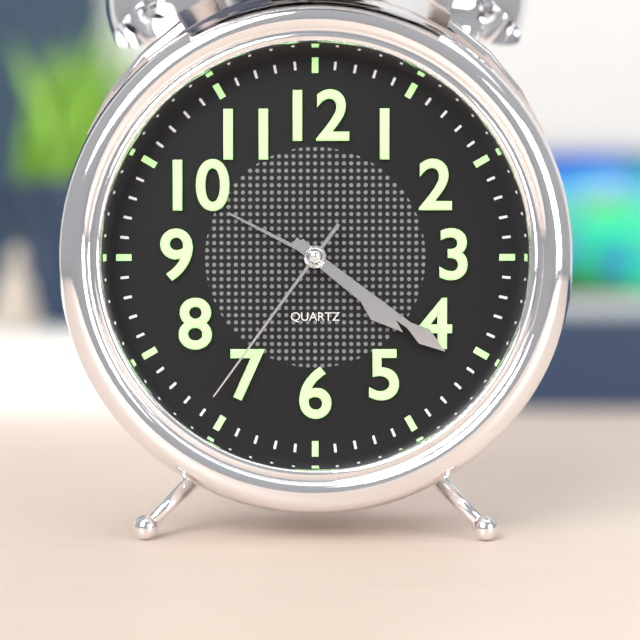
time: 4:21:36
